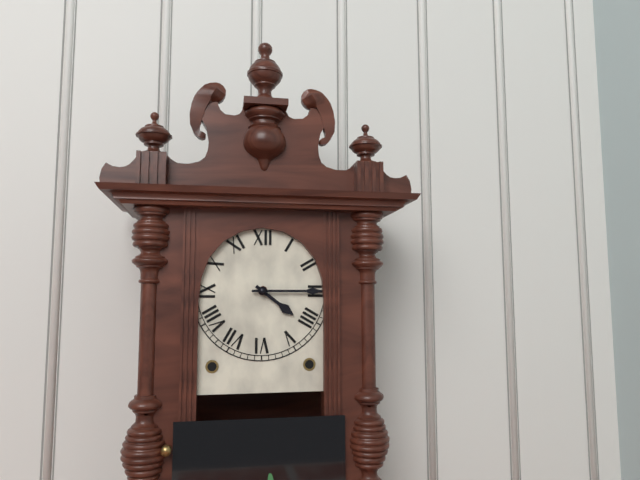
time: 4:15
